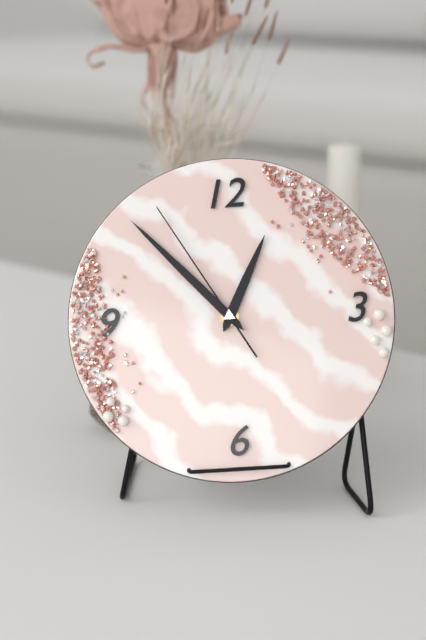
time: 12:53:55
